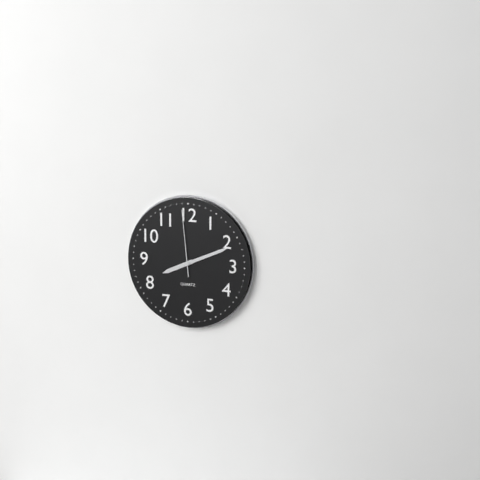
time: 8:11:59
